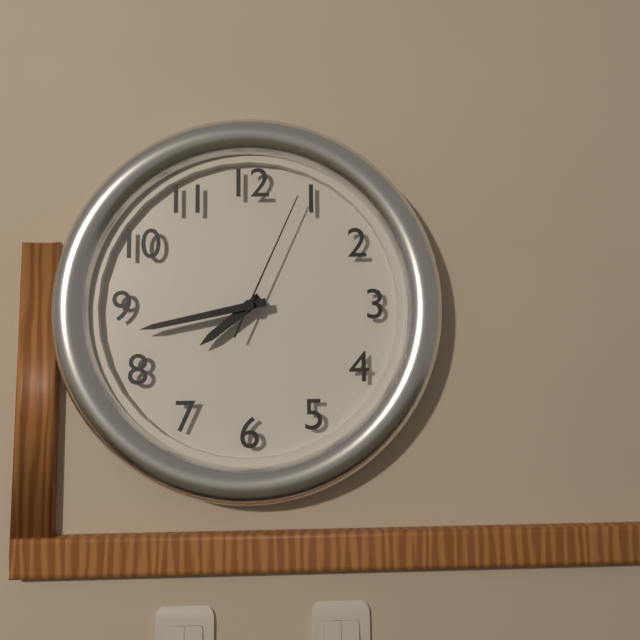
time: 7:43:04
